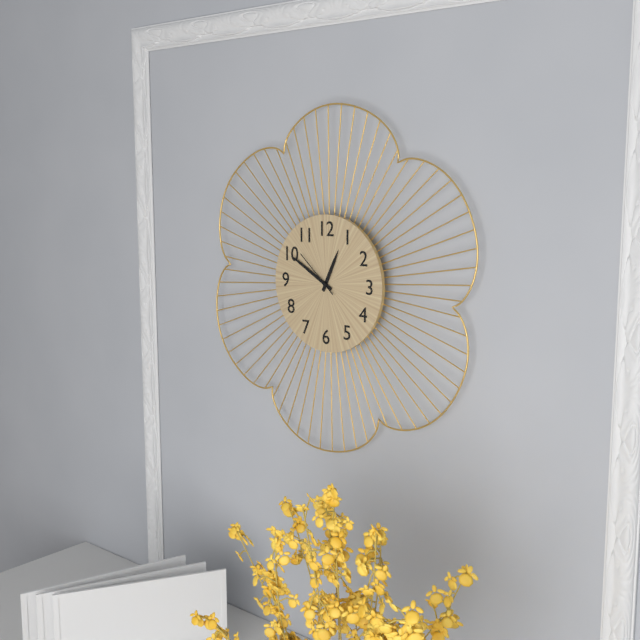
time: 12:50
